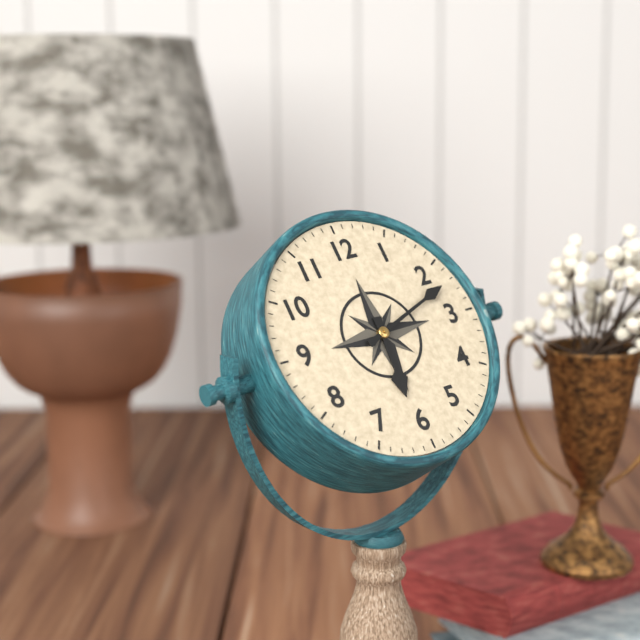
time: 6:12
